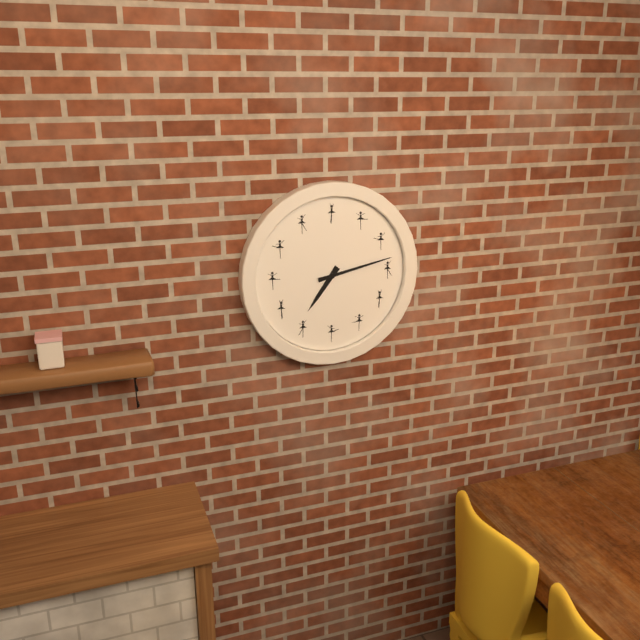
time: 7:13
